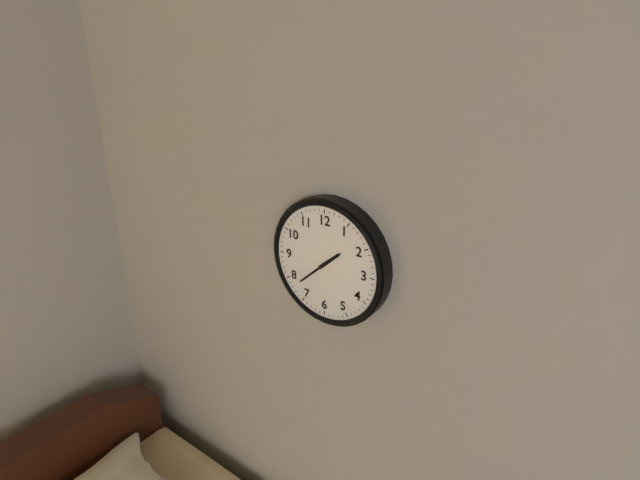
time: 1:38
